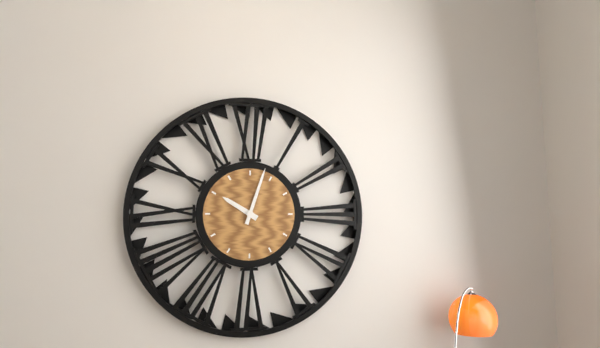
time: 10:03
